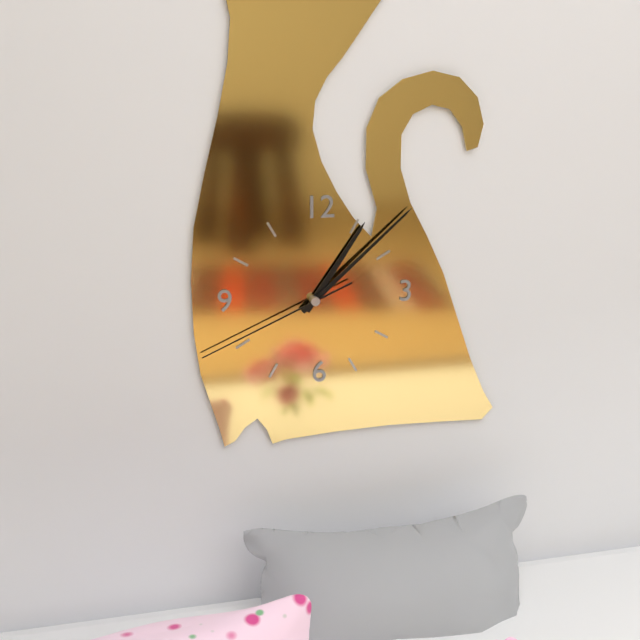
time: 1:08:41
